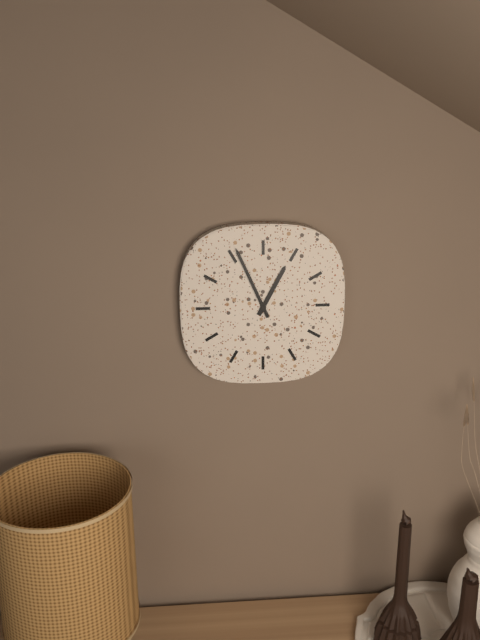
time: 12:56
